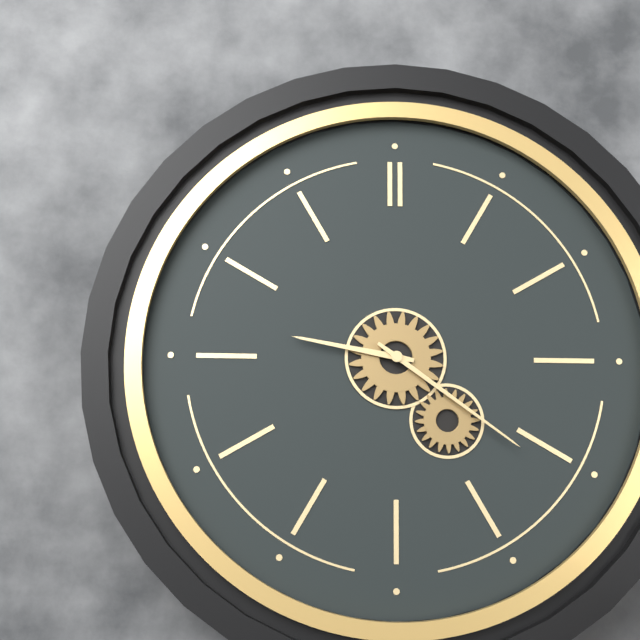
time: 9:21
